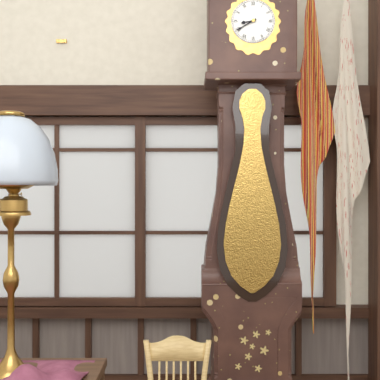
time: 8:40
